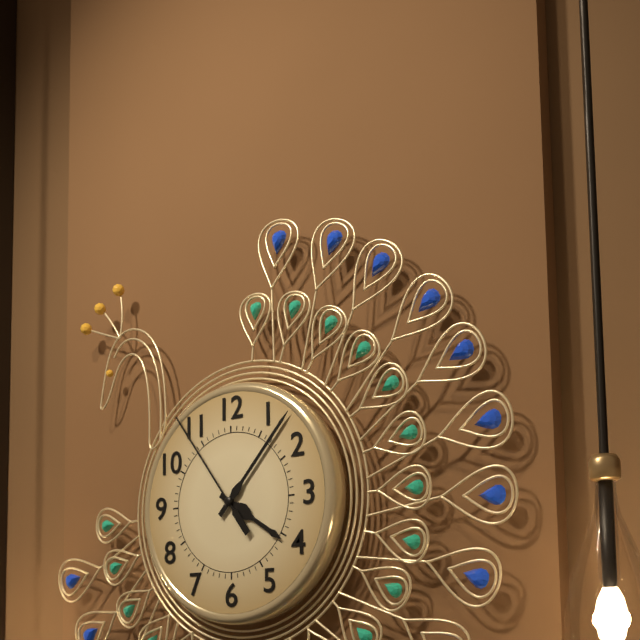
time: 4:07:54
